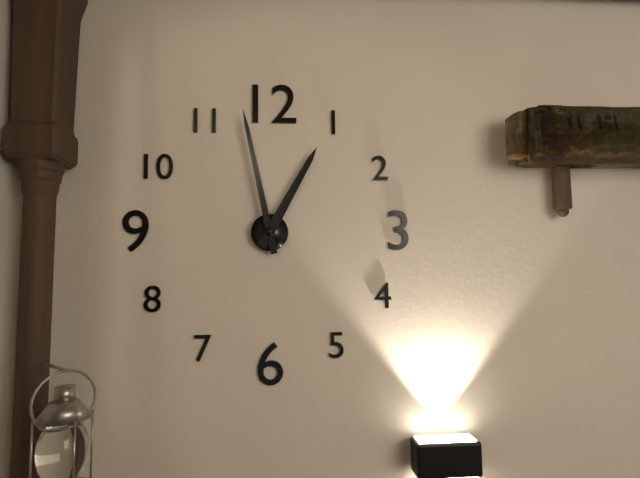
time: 12:58
